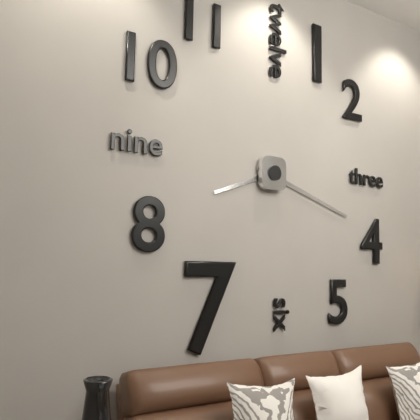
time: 8:18
